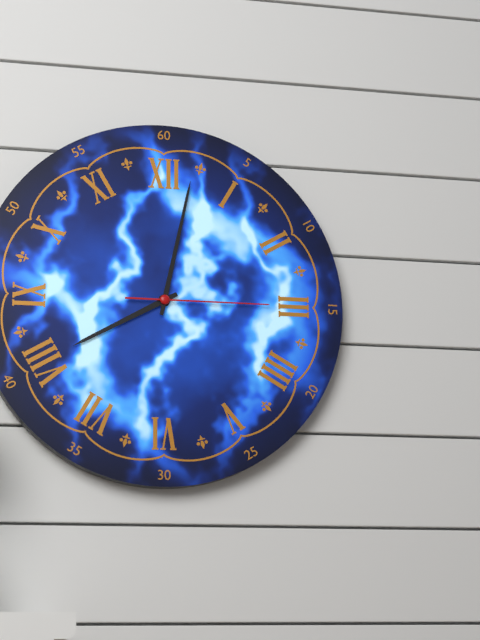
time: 8:02:15
